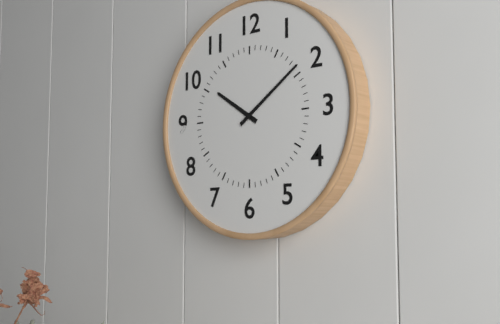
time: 10:09
